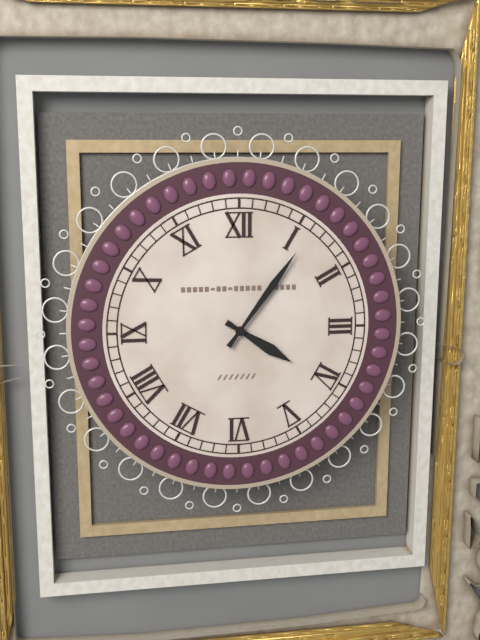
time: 4:06
